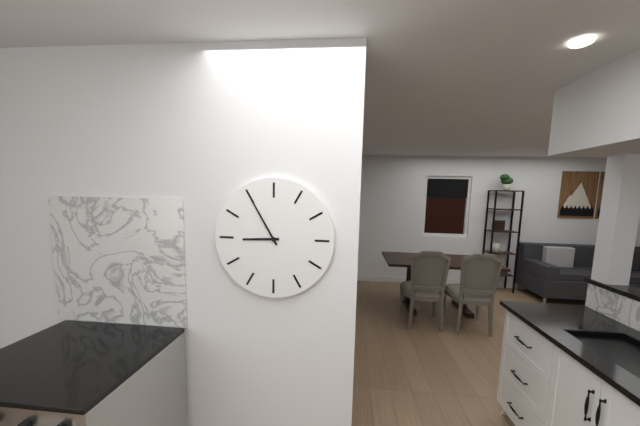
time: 8:55
